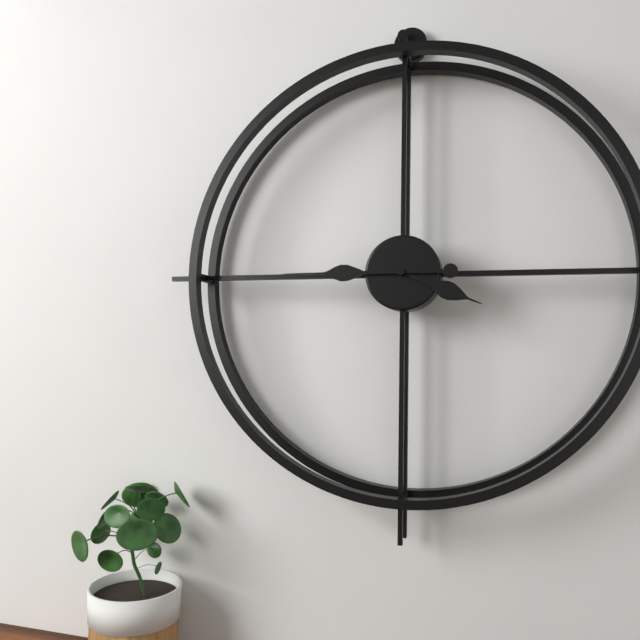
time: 3:45
